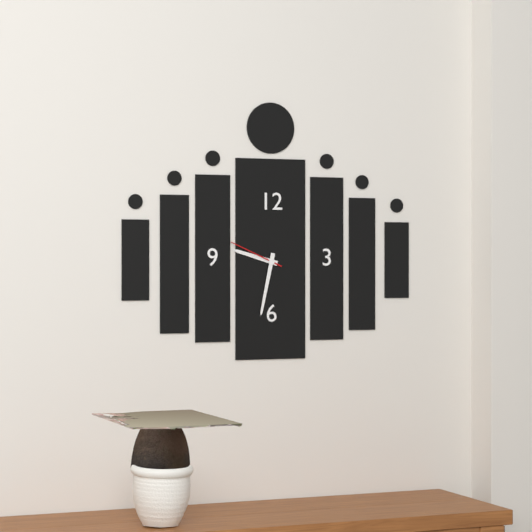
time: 9:32:49
